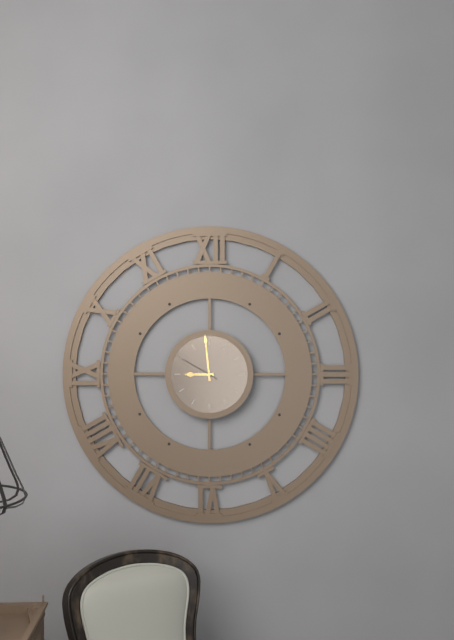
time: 8:59
